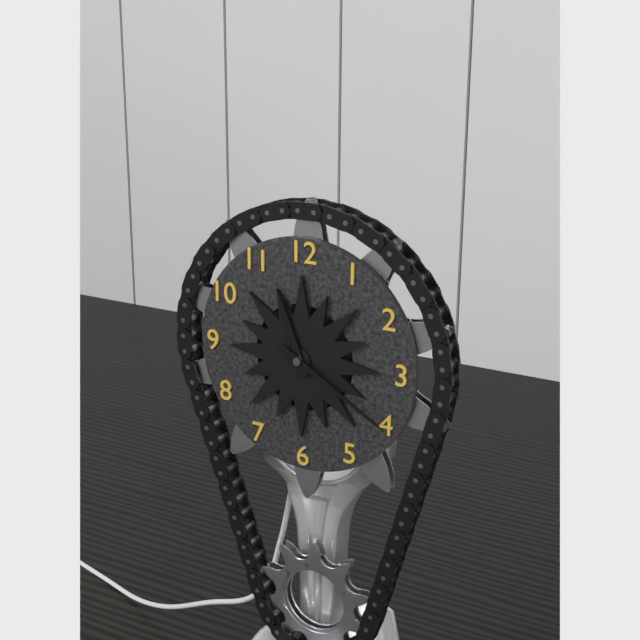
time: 11:20
